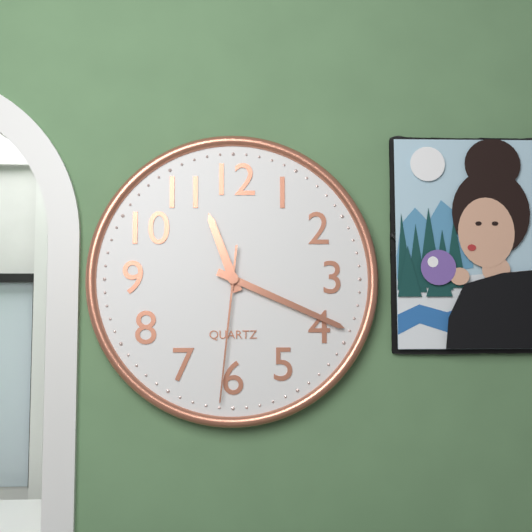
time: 11:19:31
